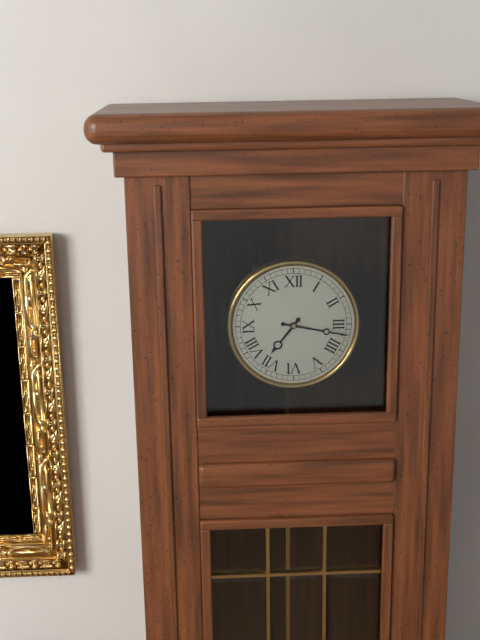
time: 7:17
